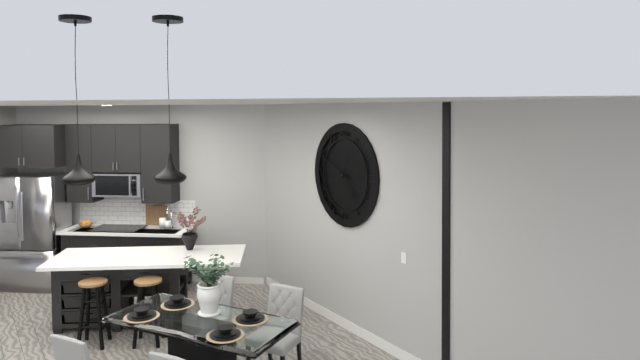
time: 4:49
